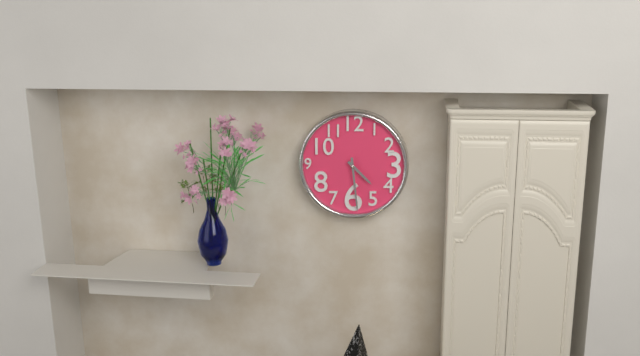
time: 4:29
